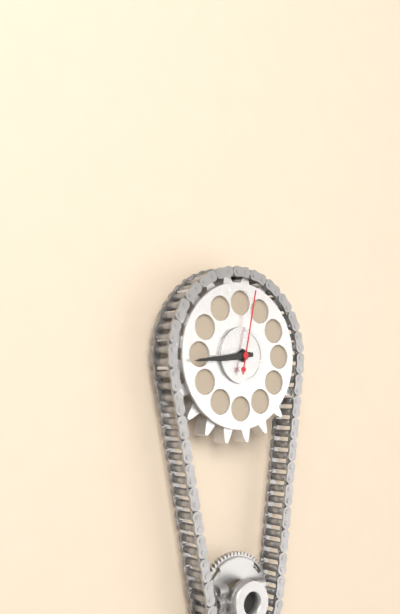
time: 8:44:02
